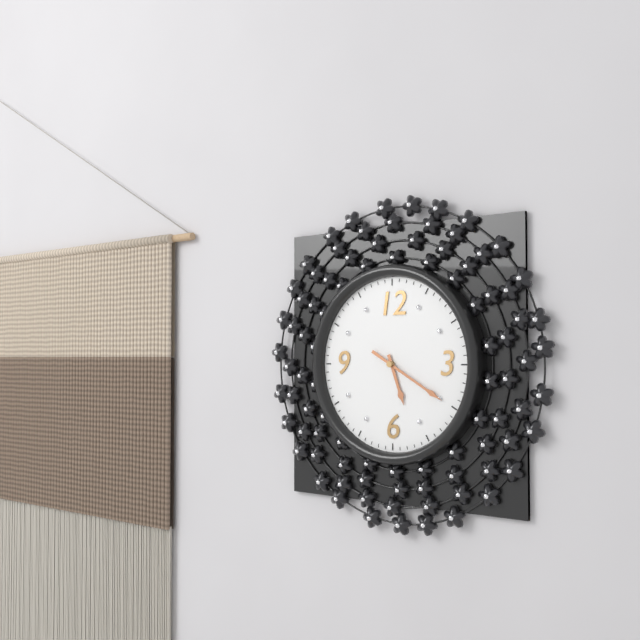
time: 5:20
